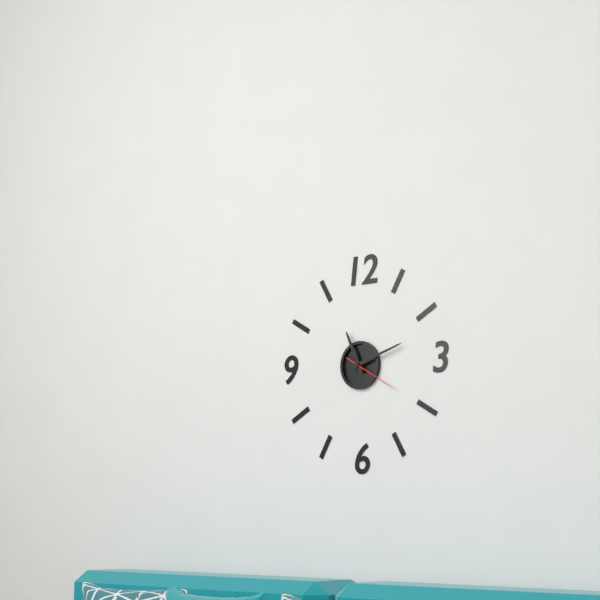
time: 11:12:20
